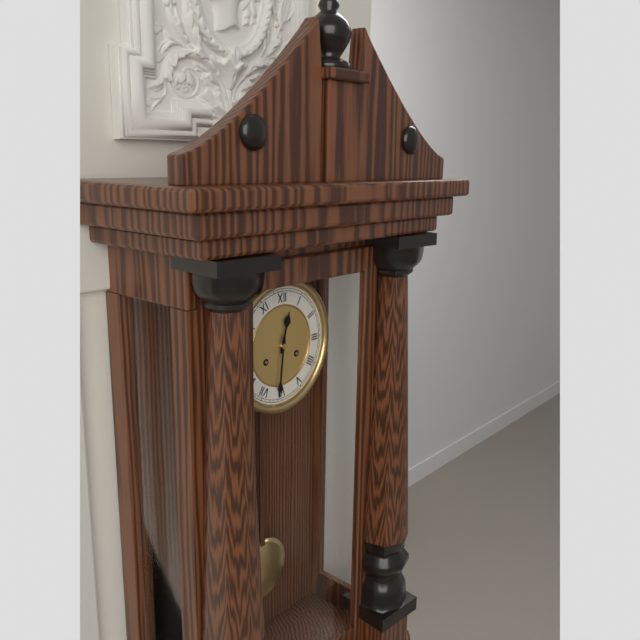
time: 12:31
